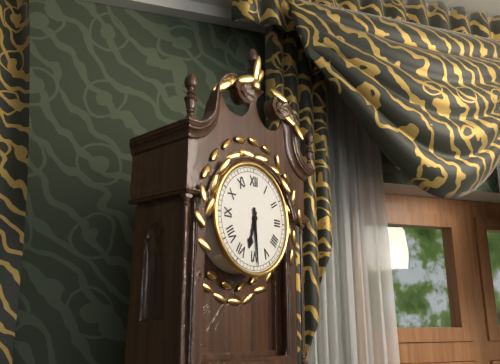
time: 6:29
